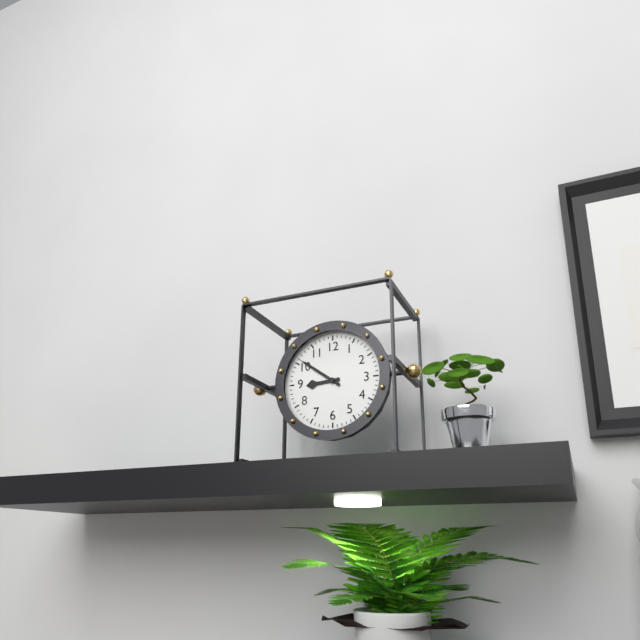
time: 8:51
